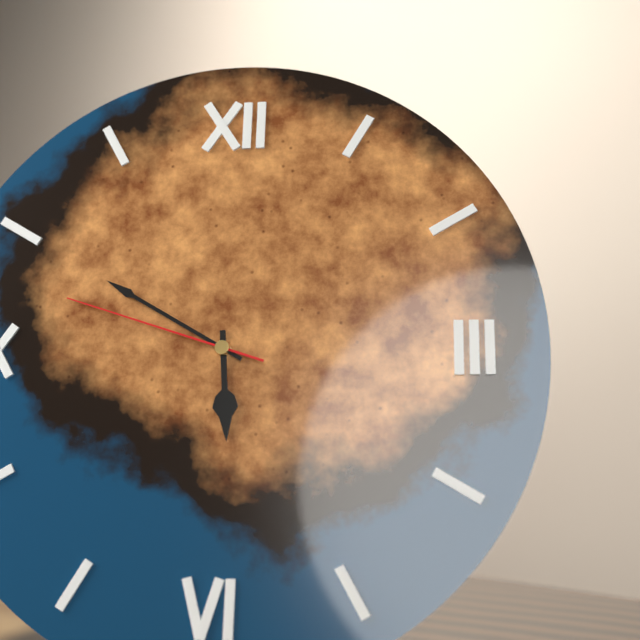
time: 5:50:48
